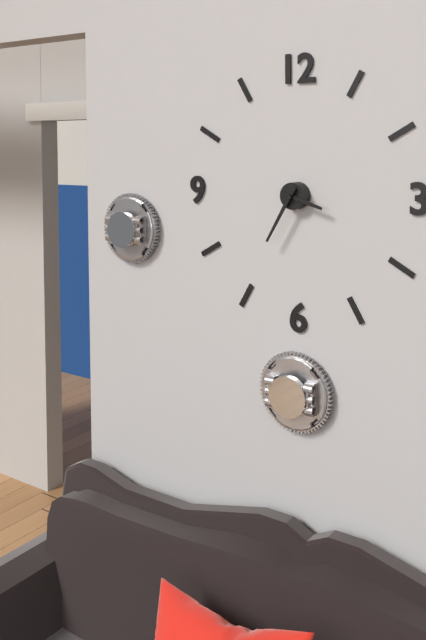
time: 3:35
